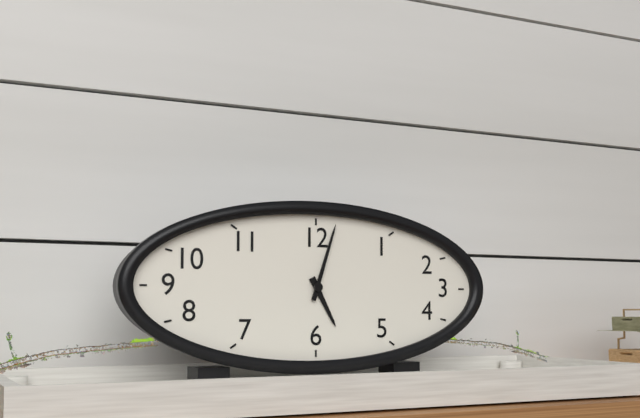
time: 5:03
